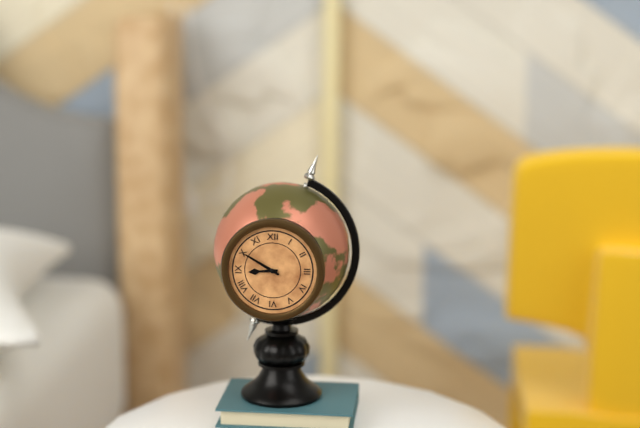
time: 8:50
